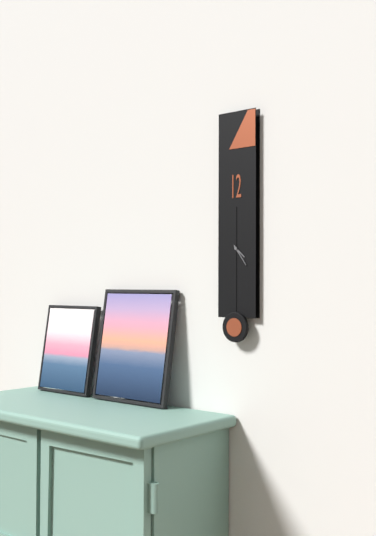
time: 4:24
